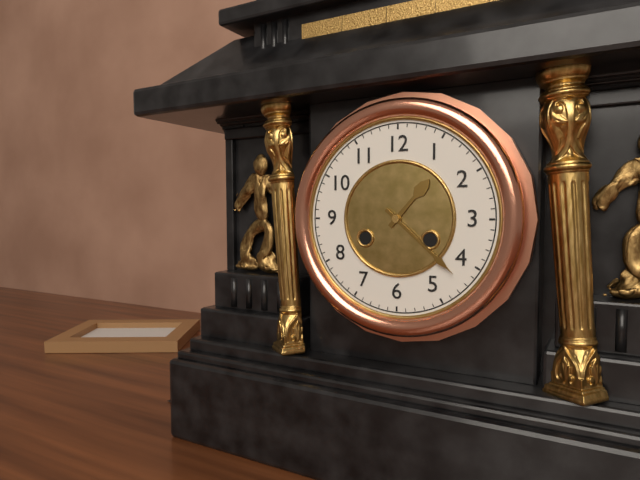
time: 1:22
